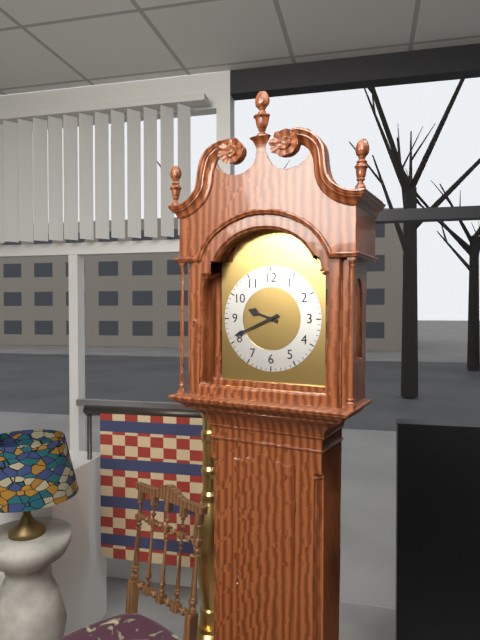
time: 9:41
